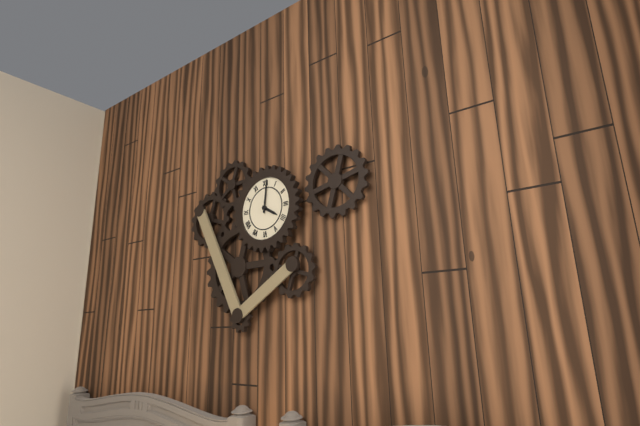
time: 4:01
